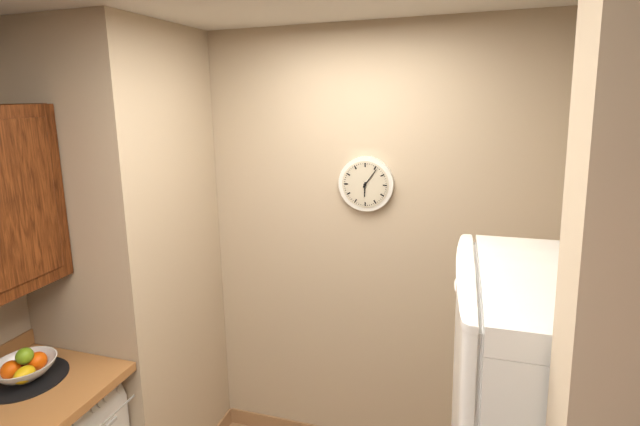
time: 6:06
